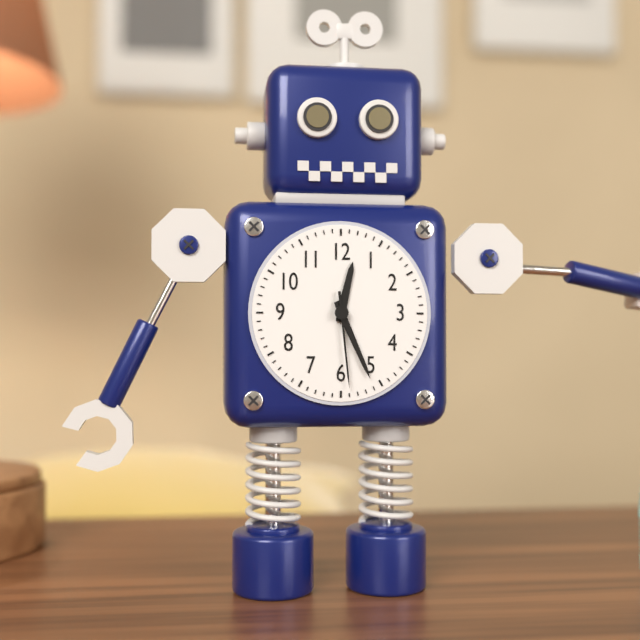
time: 12:26:29
